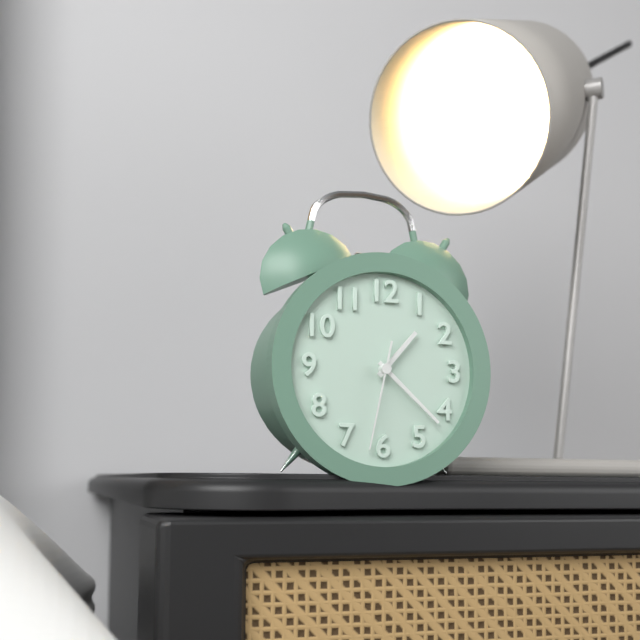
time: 1:22:32
